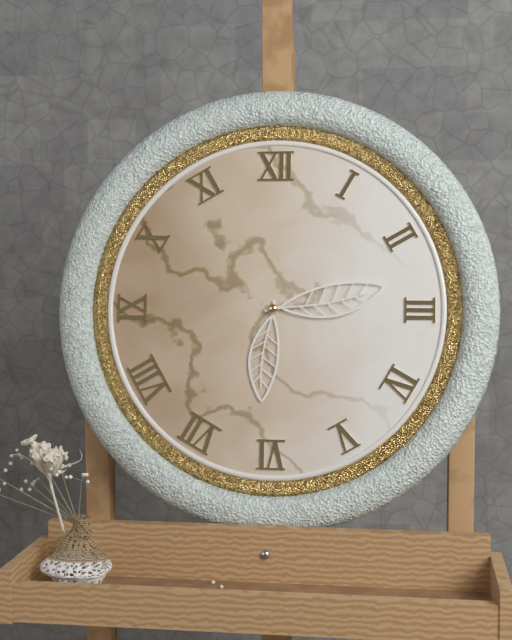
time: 6:13
